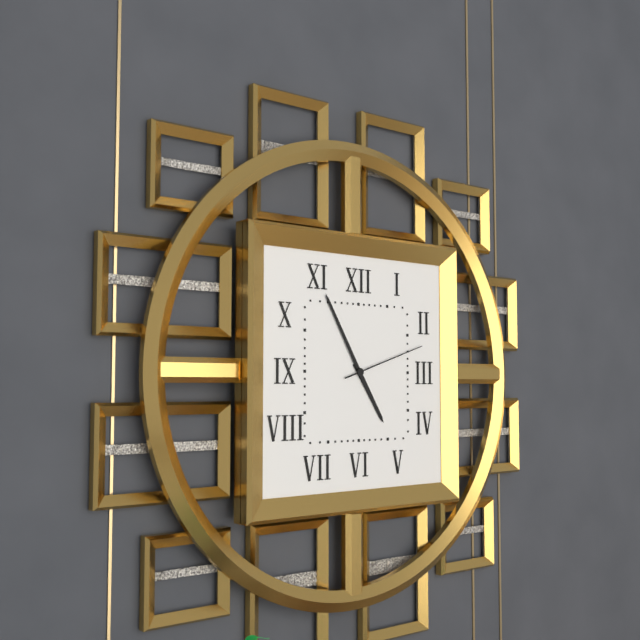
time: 4:55:12
